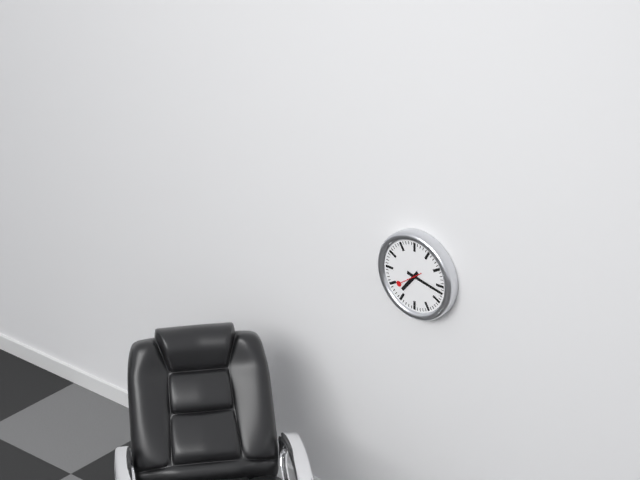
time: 7:17
